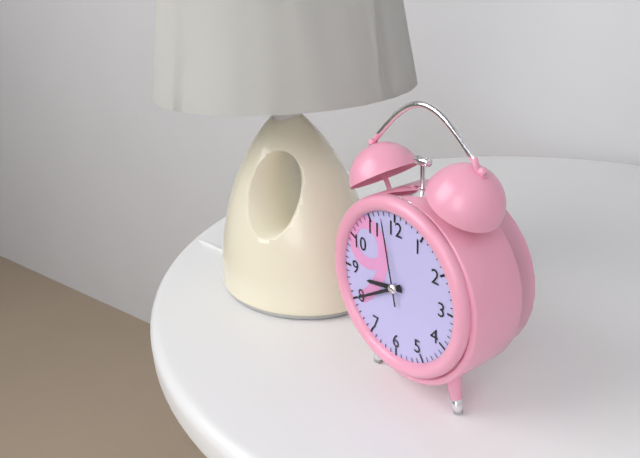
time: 8:40:58
